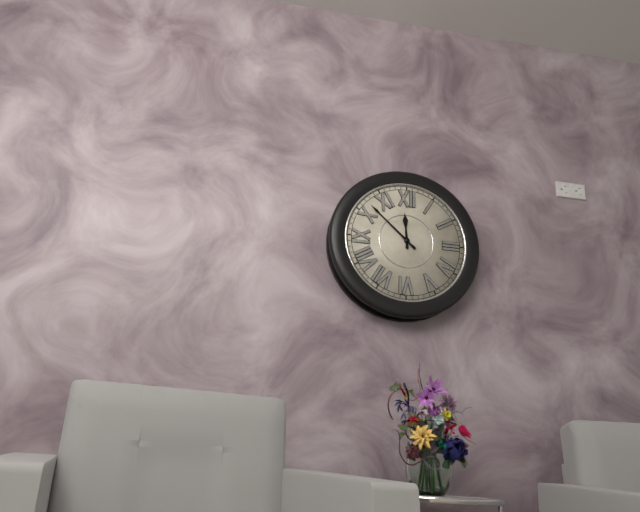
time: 11:52
